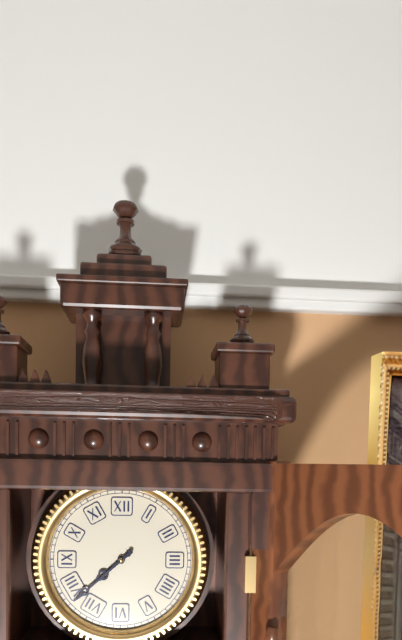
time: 7:38
